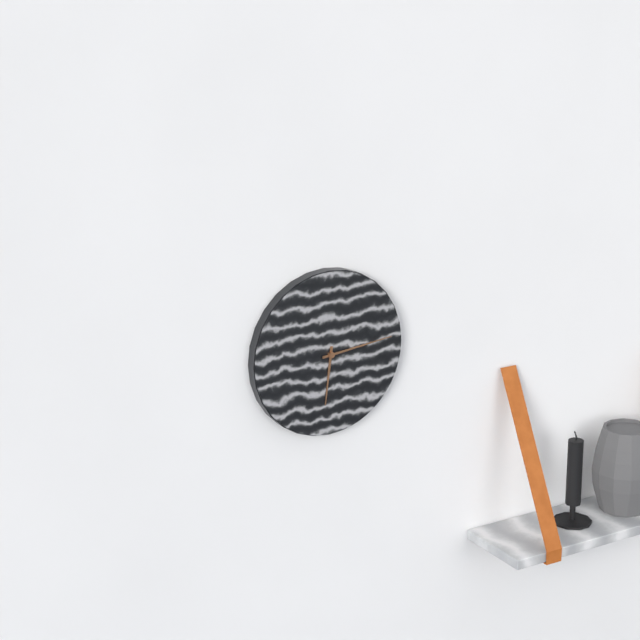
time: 6:14
